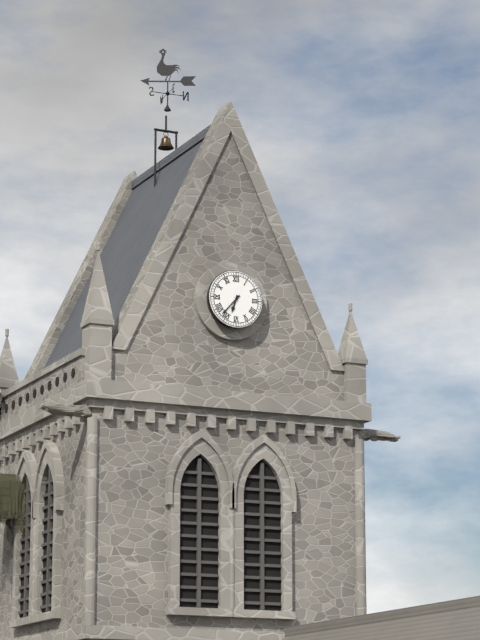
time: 6:37
